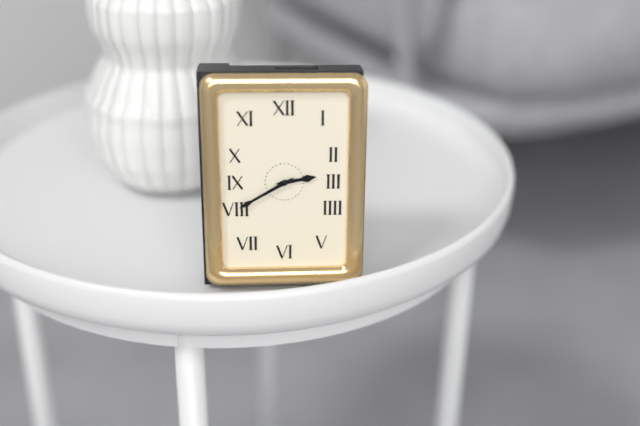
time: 2:40
